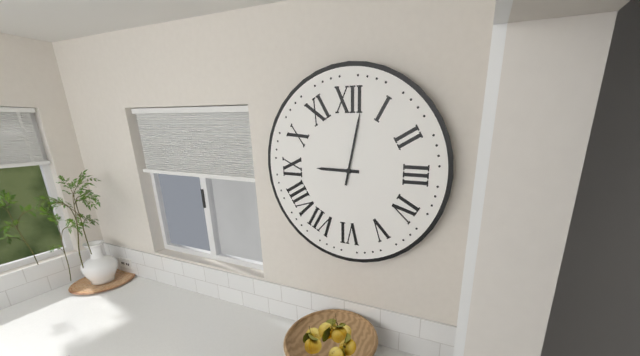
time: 9:02
